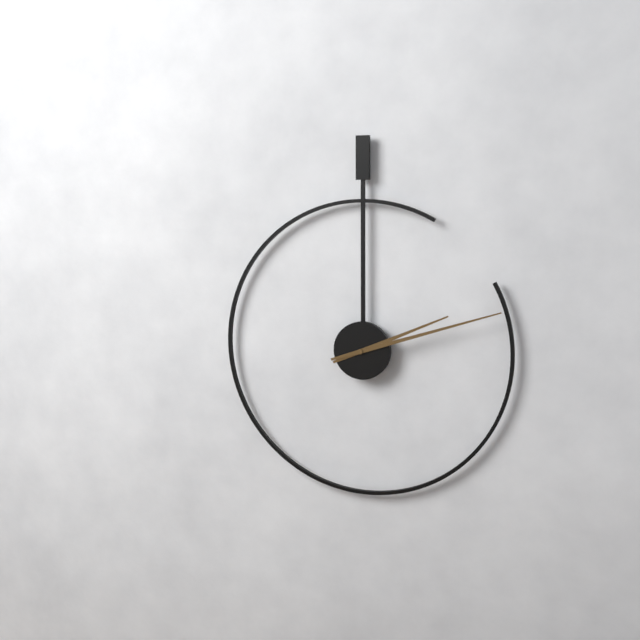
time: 2:12
